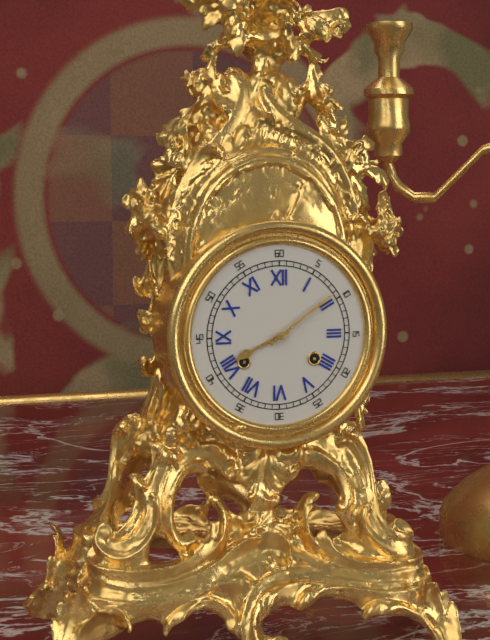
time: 8:09
